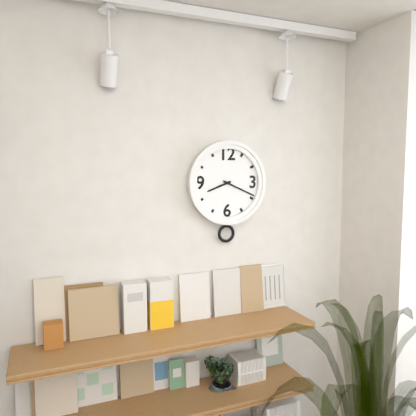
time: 8:19
